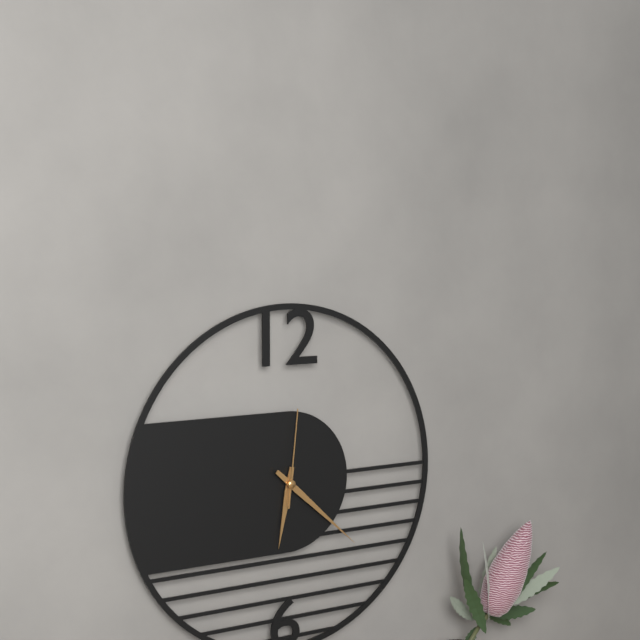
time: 6:22:01
